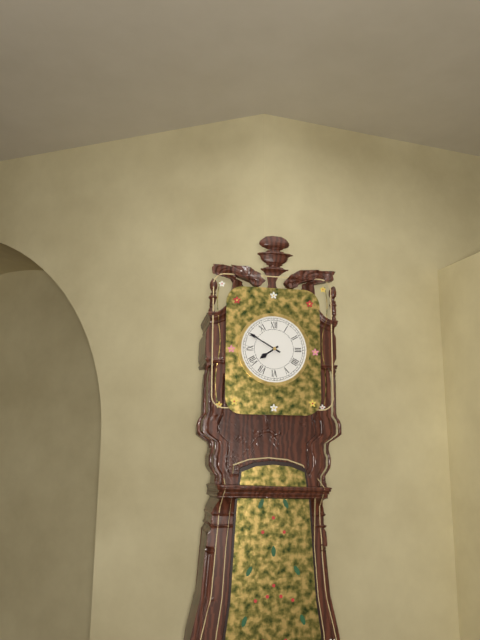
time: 7:50
